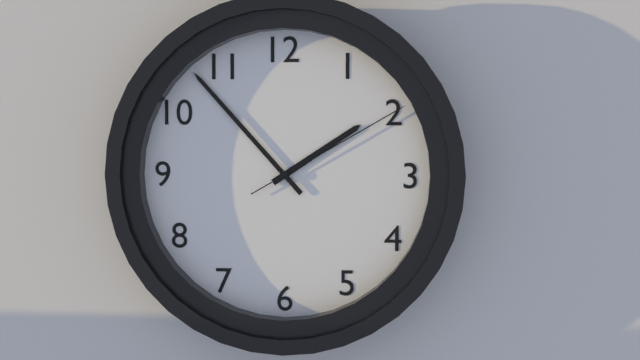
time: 1:53:10
